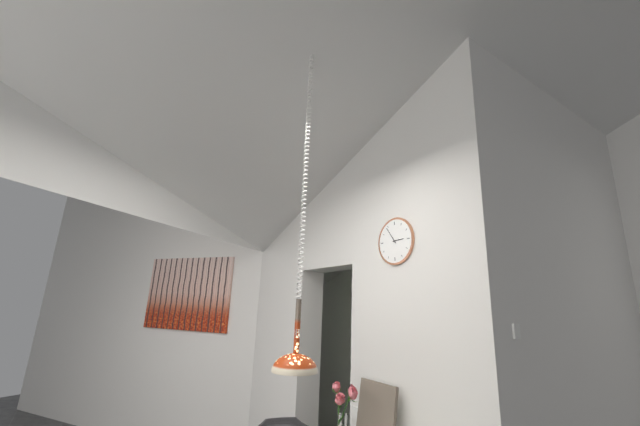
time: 2:54
